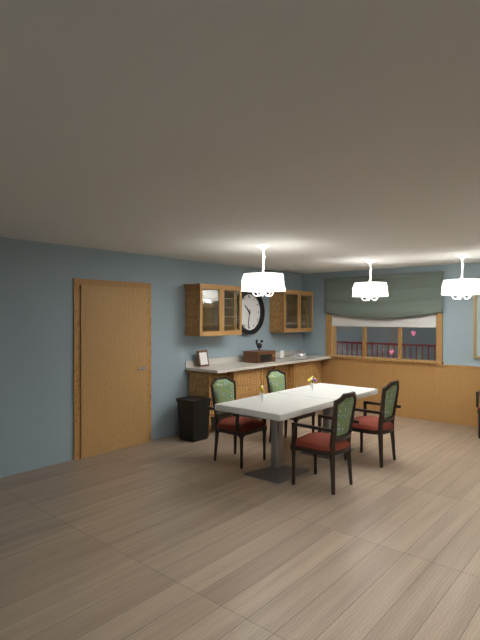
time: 10:31
